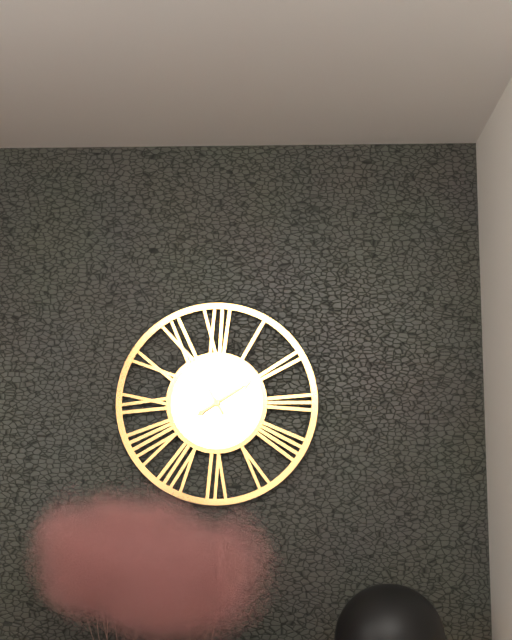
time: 1:55
